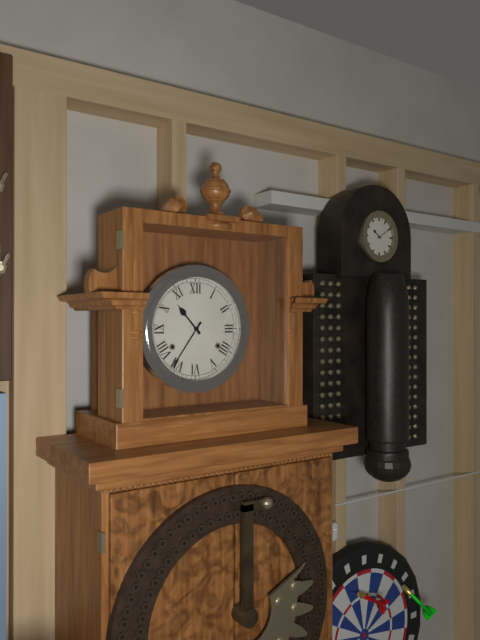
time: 10:36
